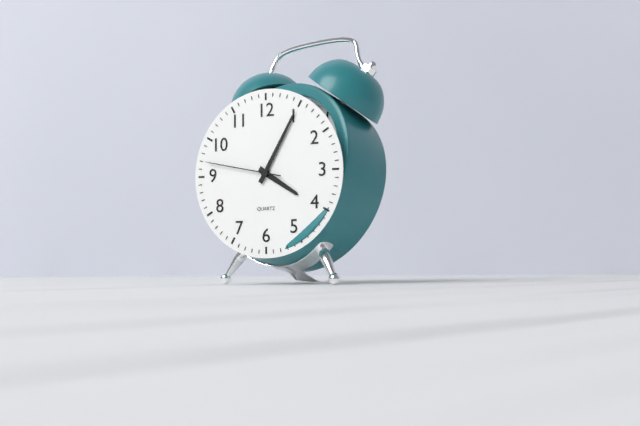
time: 4:05:47
